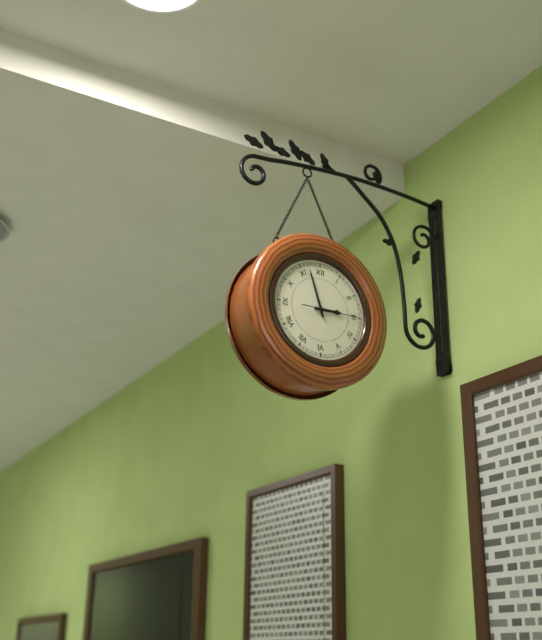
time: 2:57:15
